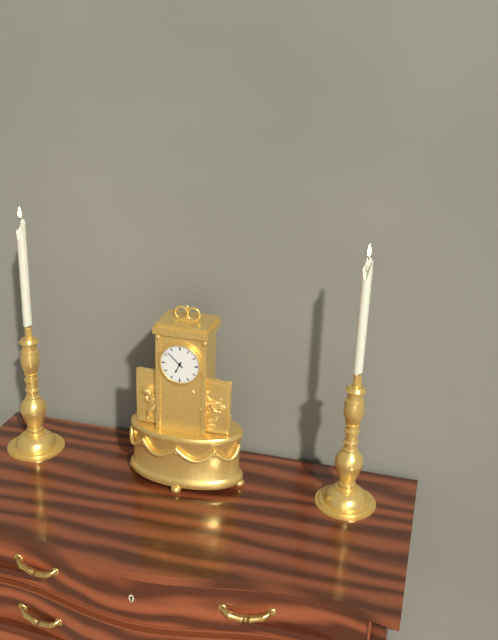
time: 6:52
